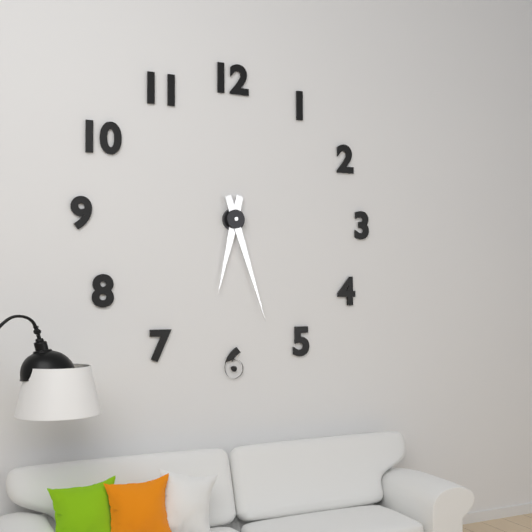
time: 6:27
